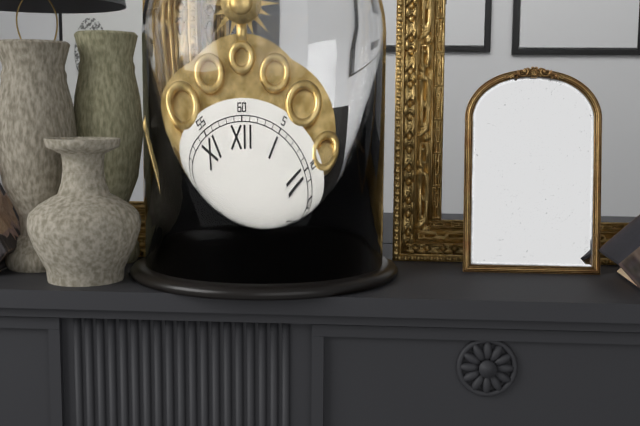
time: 8:24
